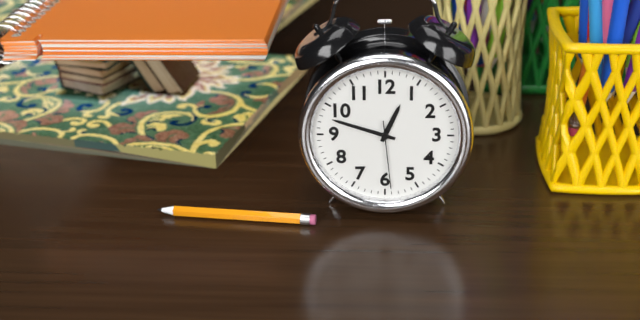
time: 12:48:29
